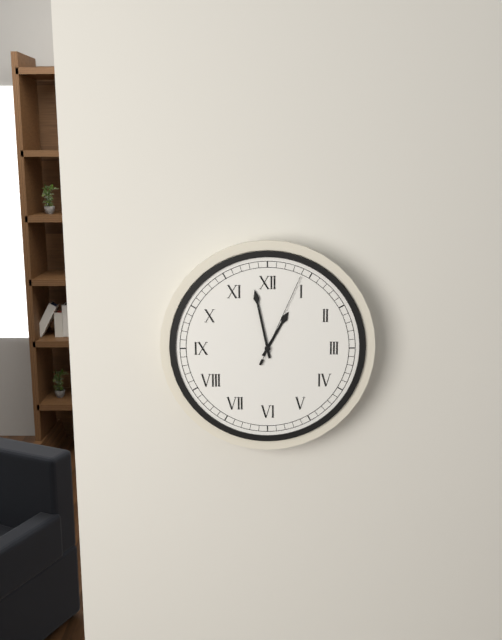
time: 12:58:04
